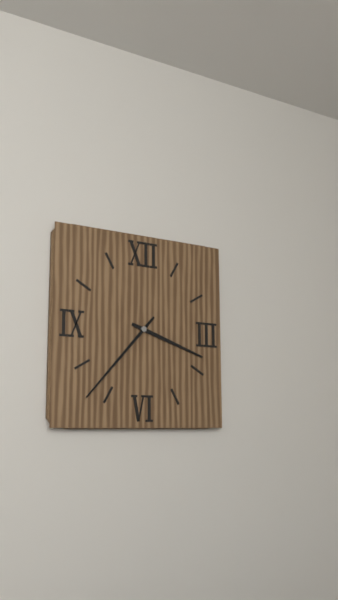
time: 3:37
